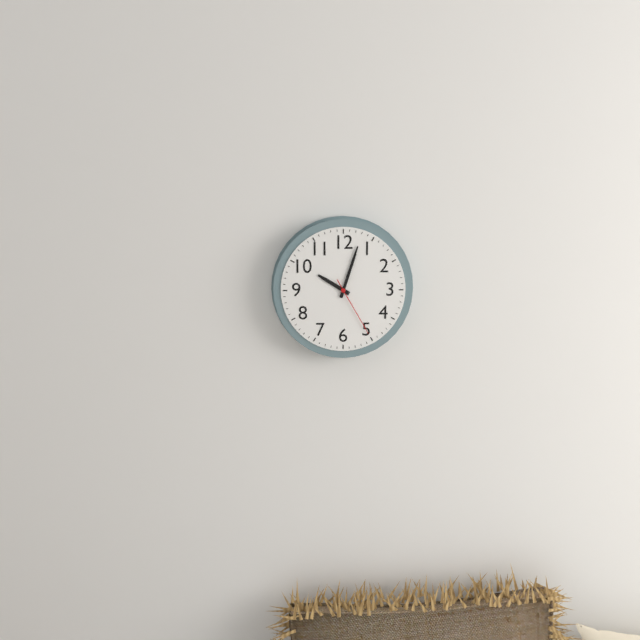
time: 10:03:25
